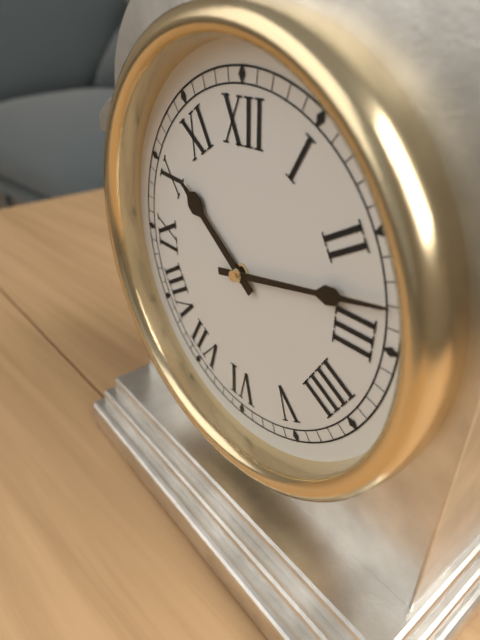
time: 10:13
